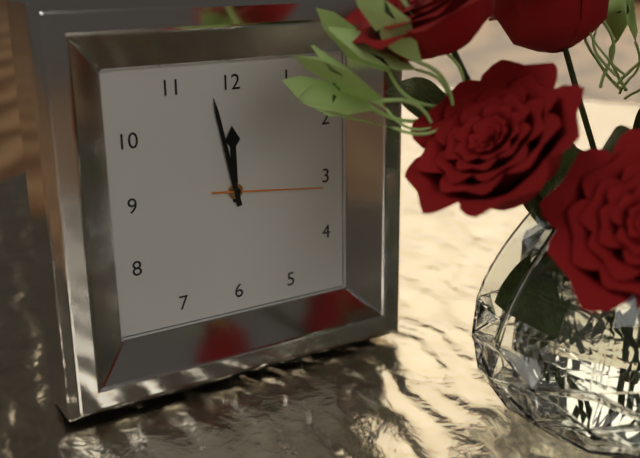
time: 11:58:16
